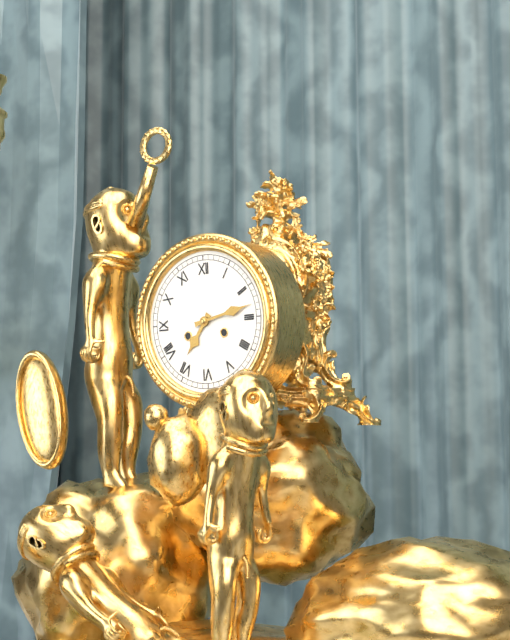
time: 7:13
